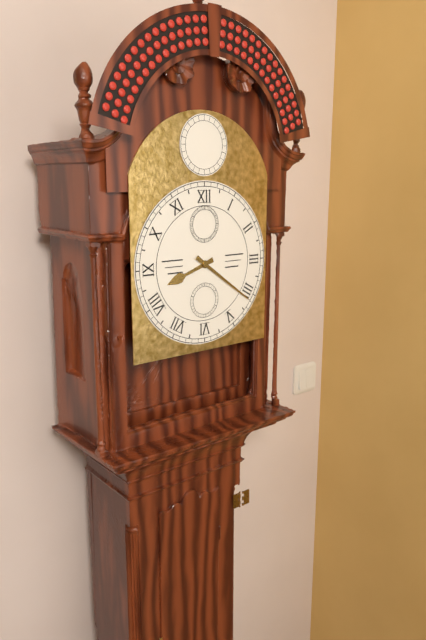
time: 8:21
